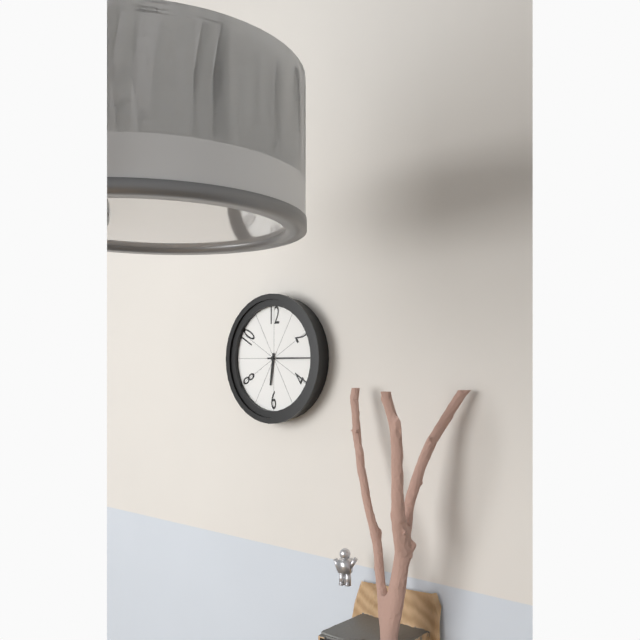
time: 6:15
